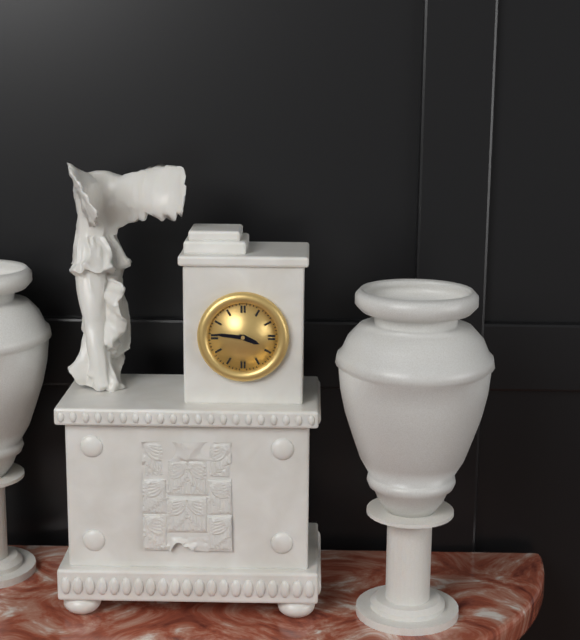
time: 3:46
